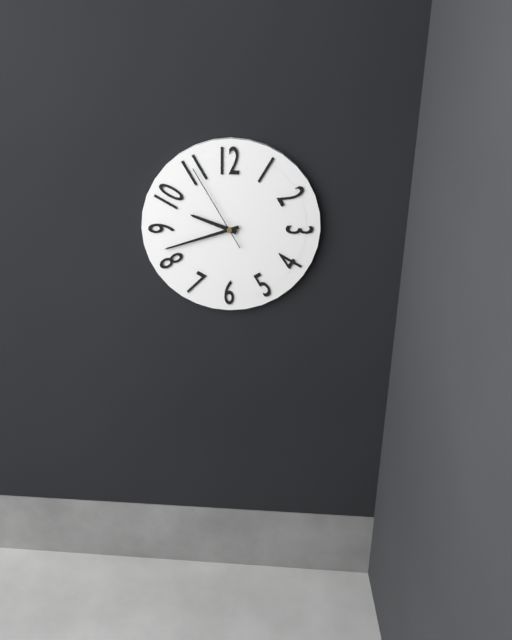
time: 9:42:55
